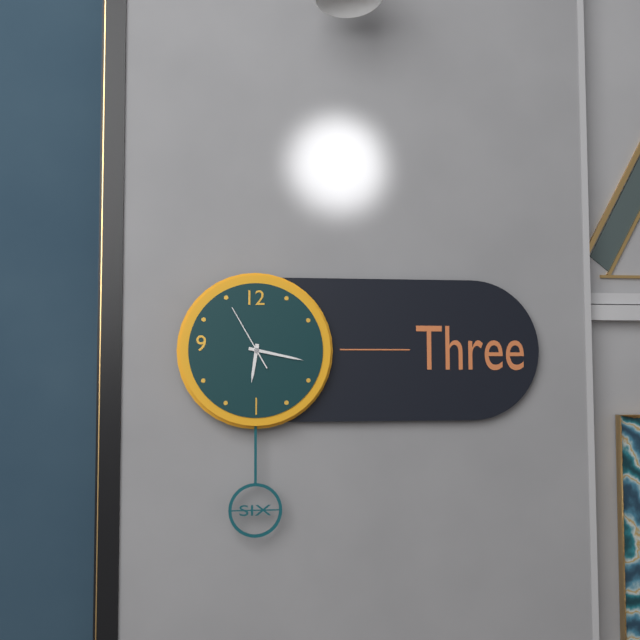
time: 6:17:55
